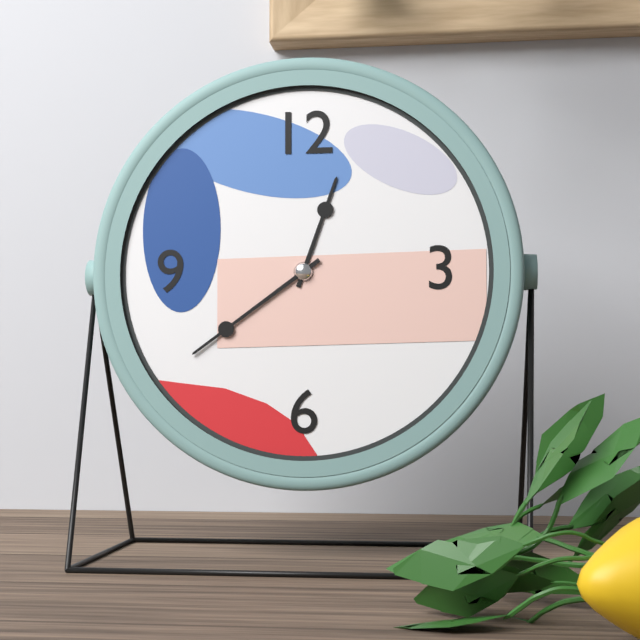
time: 12:39
